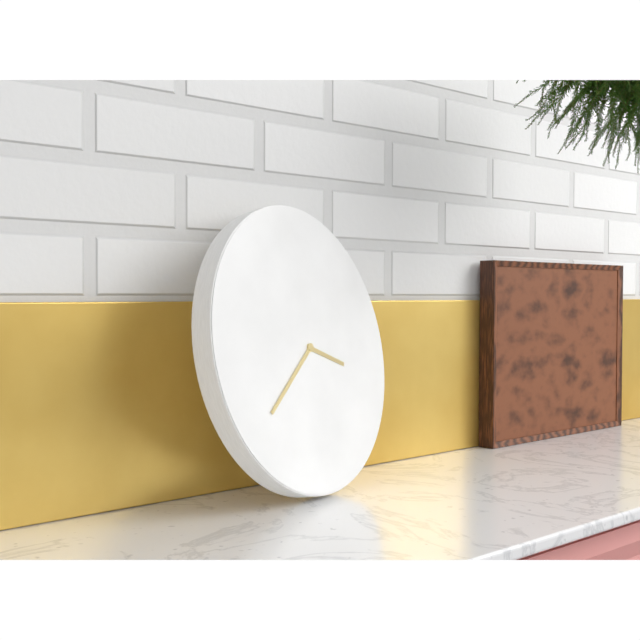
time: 3:39
